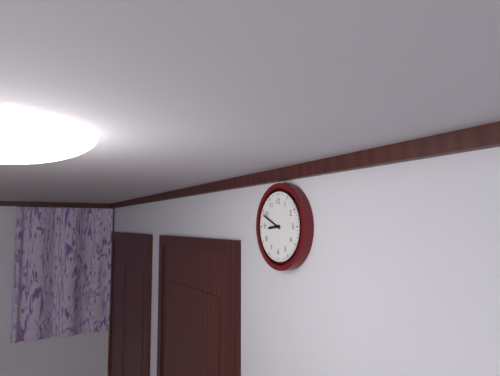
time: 8:49
